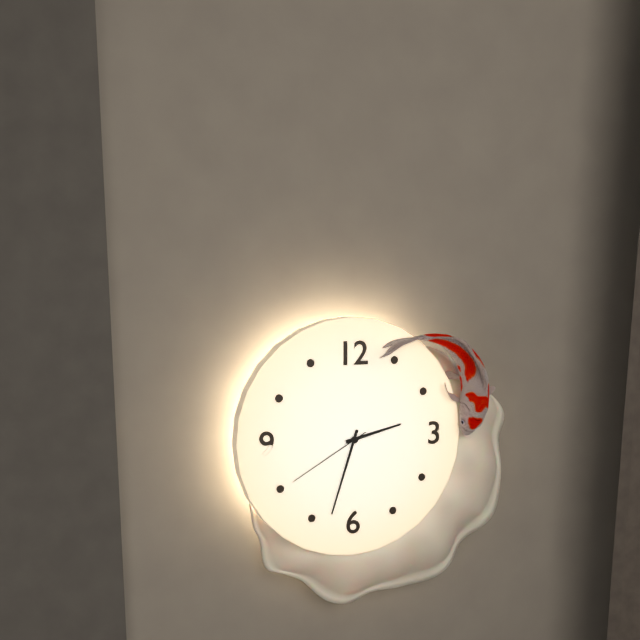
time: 2:33:40
